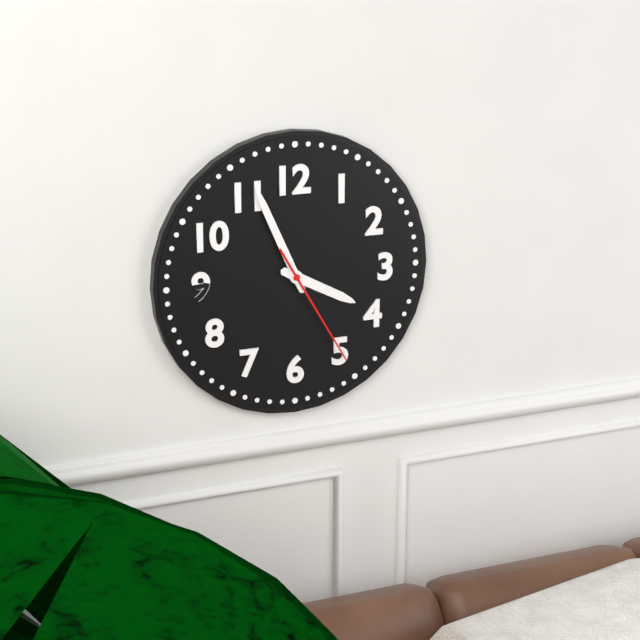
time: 3:56:25
